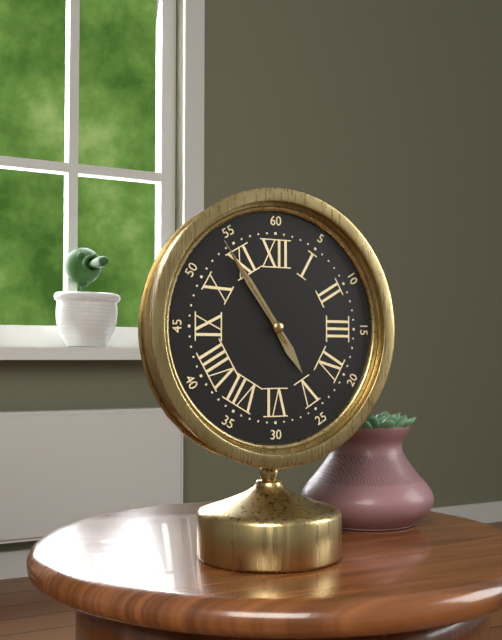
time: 4:54:54
